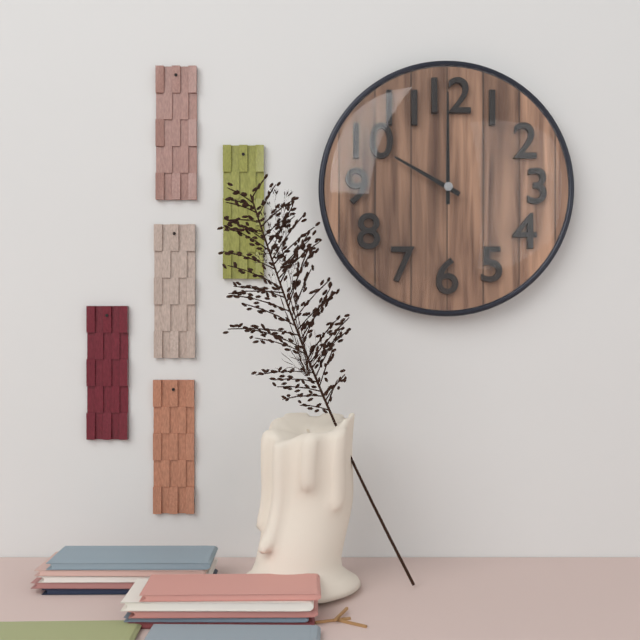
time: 10:00
